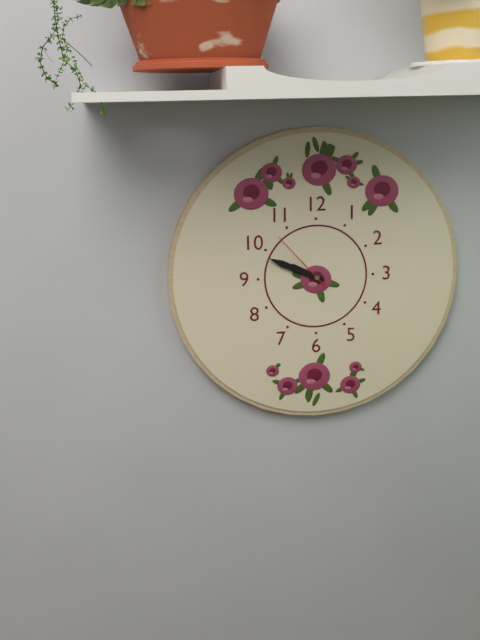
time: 9:49:53
